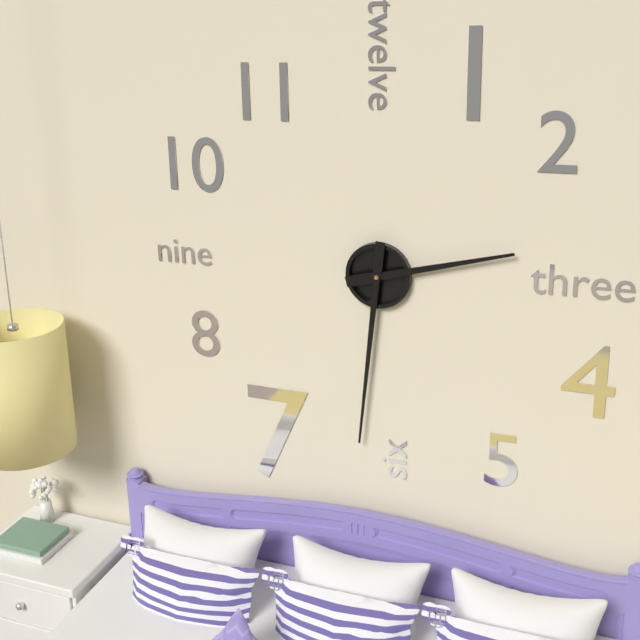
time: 2:31
